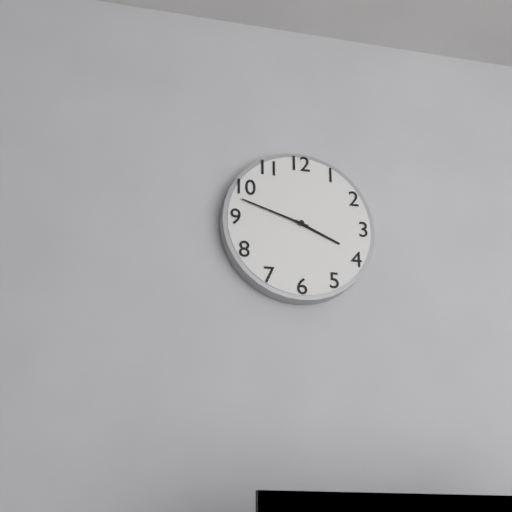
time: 3:48
